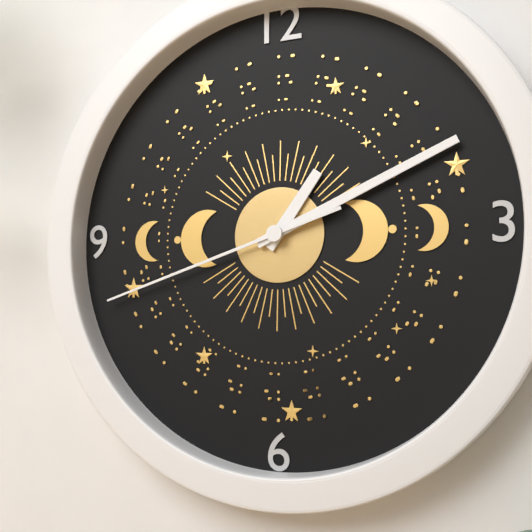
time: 1:11:42
